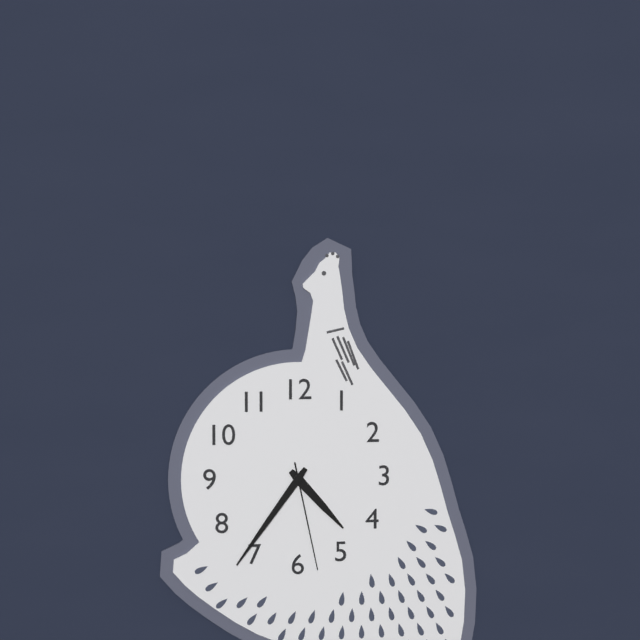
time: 4:36:28
